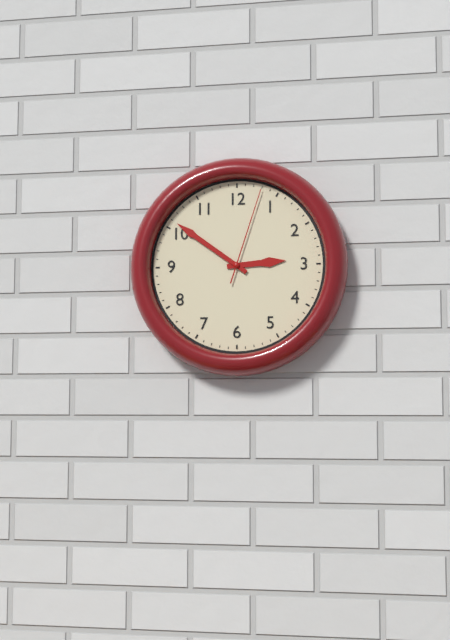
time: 2:51:03
